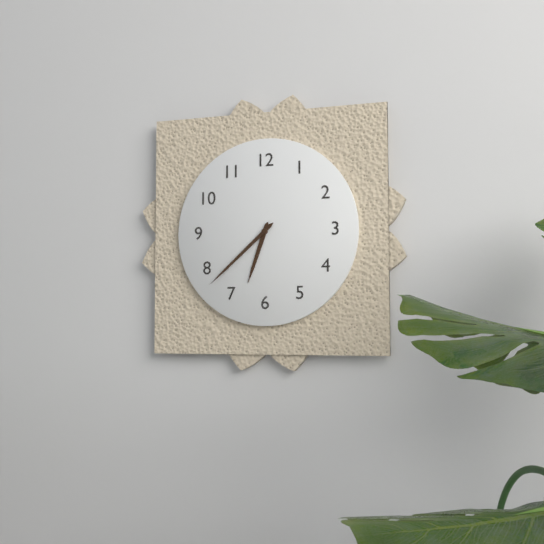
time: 6:38
